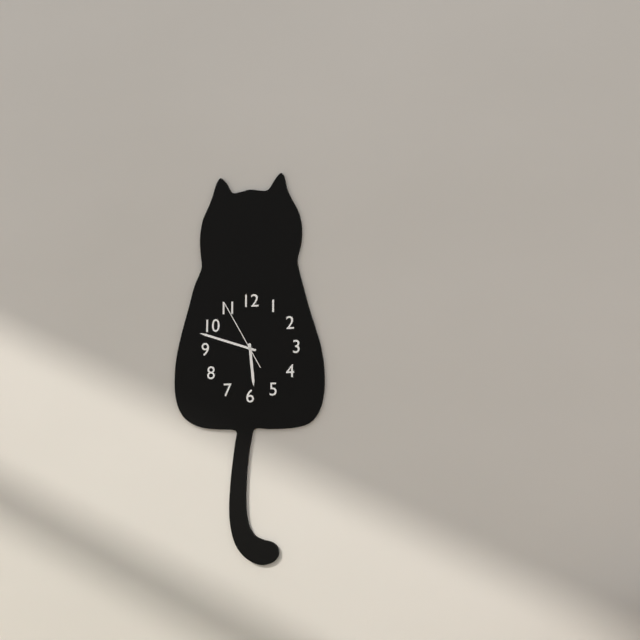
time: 5:48:55
